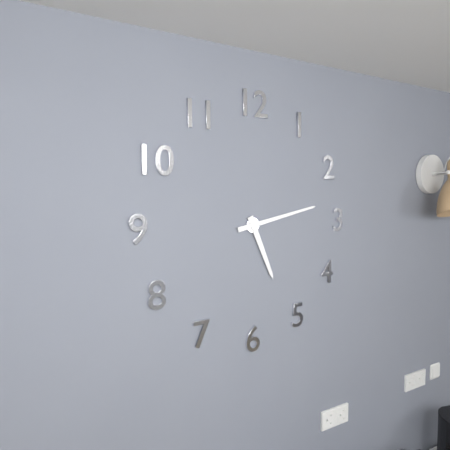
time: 5:13
